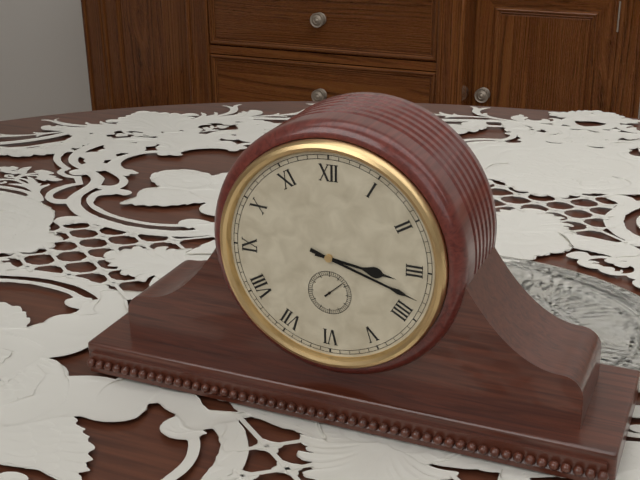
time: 3:18
